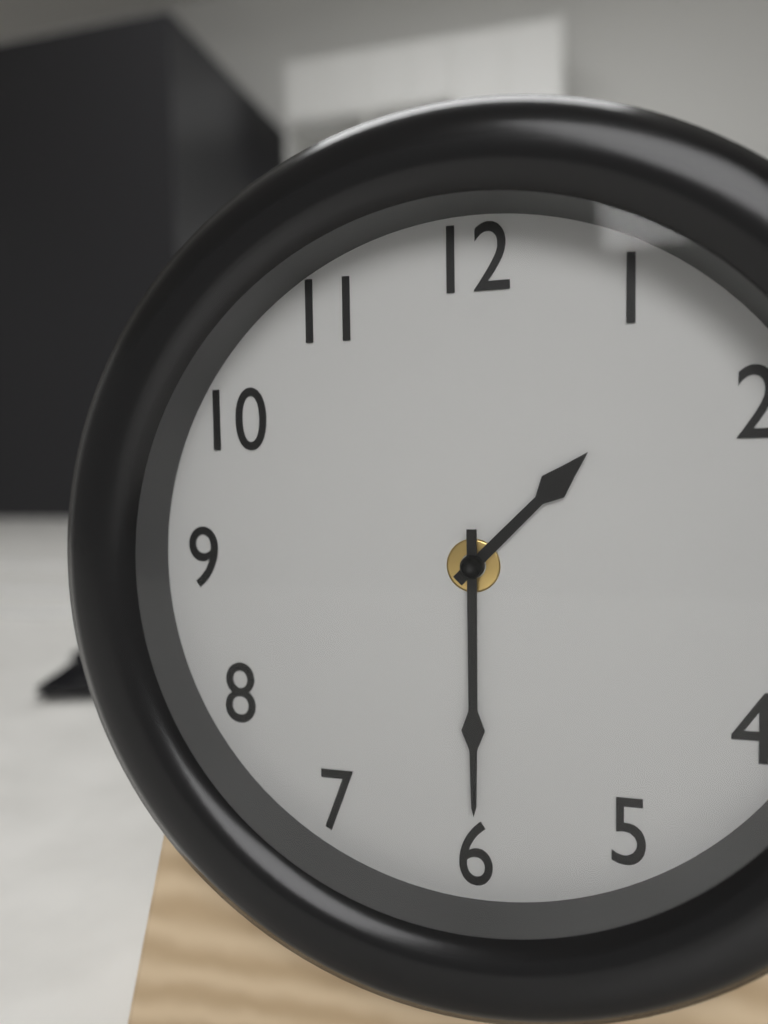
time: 1:30
